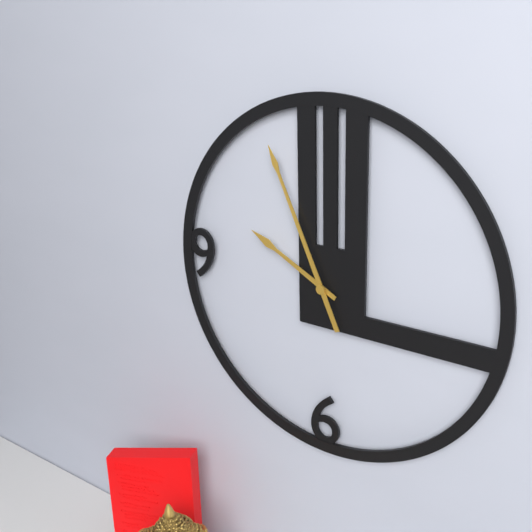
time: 9:56
